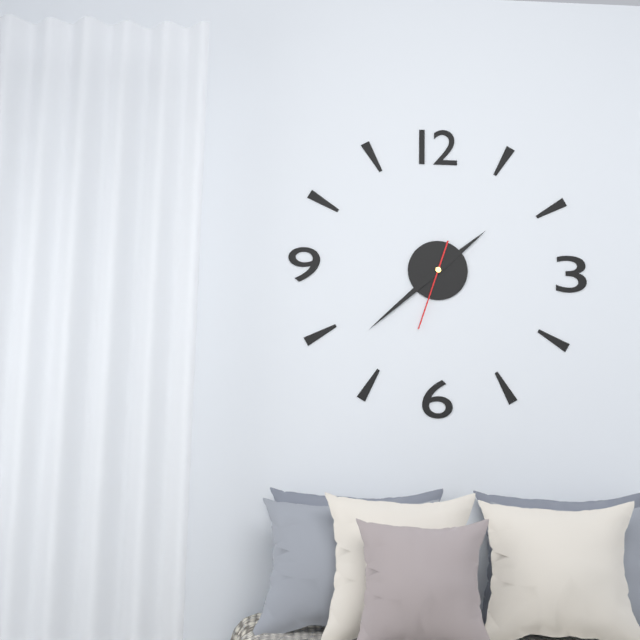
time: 1:38:33
